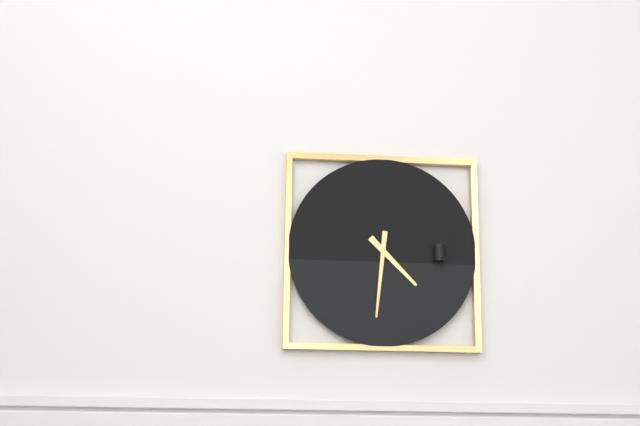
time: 4:31
